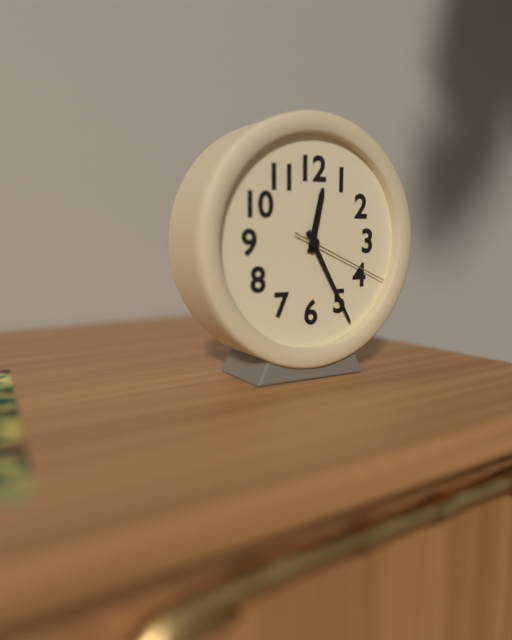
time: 12:25:19
